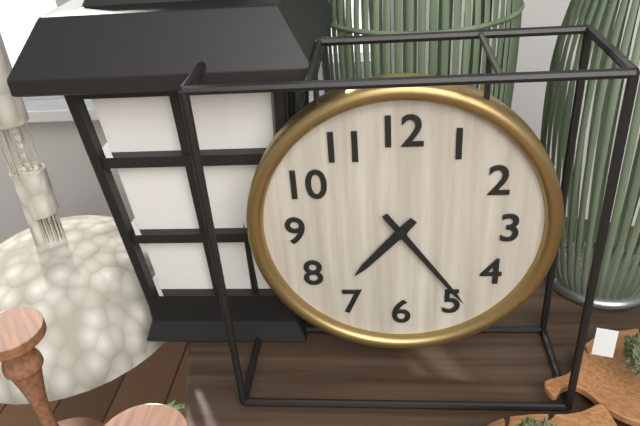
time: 7:24
